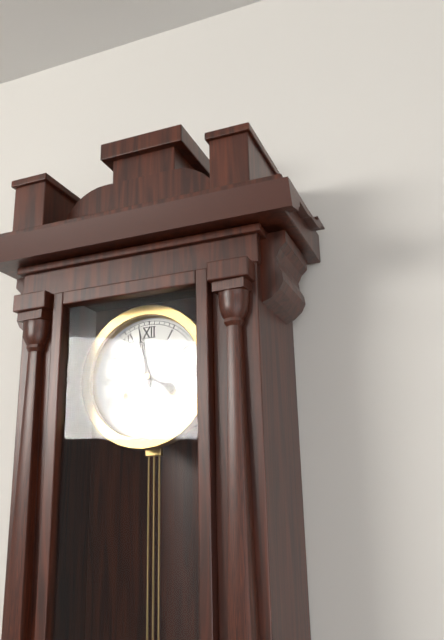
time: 3:58
